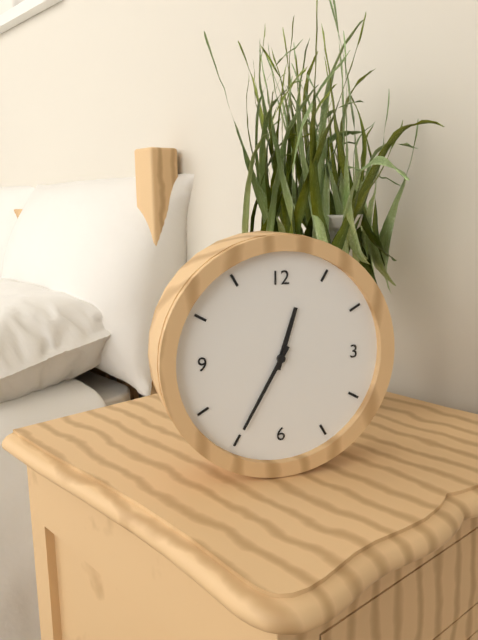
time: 12:35
